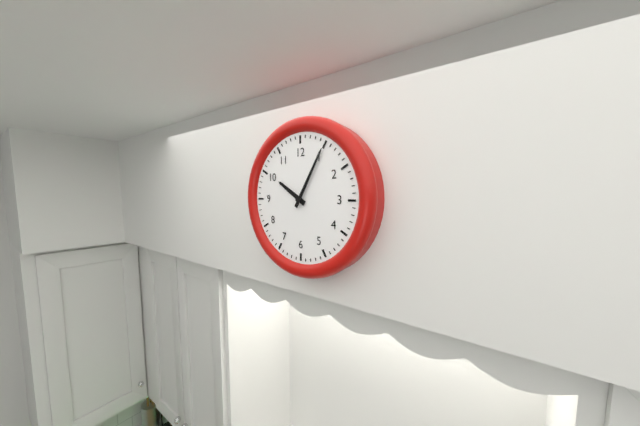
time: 10:05
